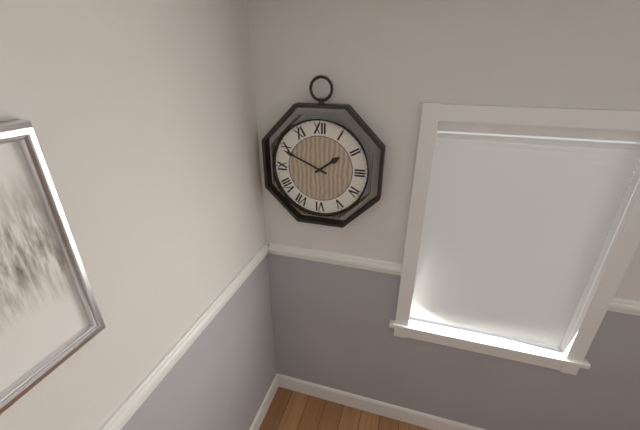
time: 1:49
